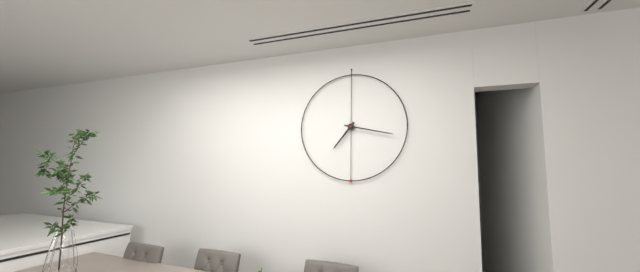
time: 7:17
